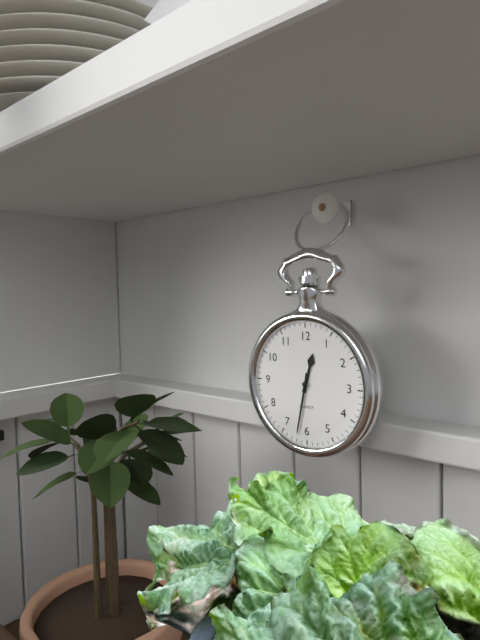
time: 12:32
